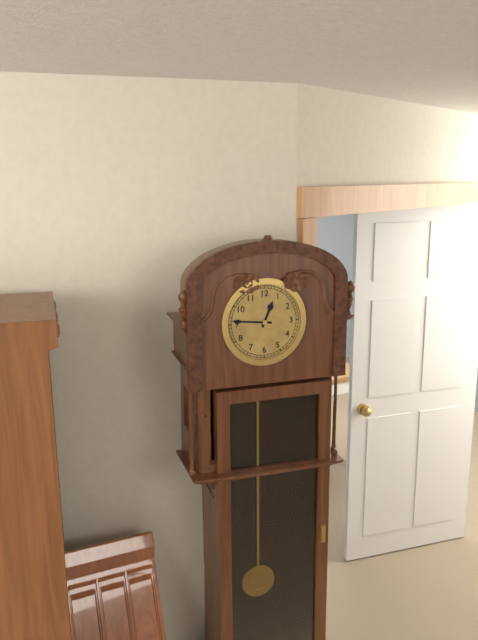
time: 12:46
